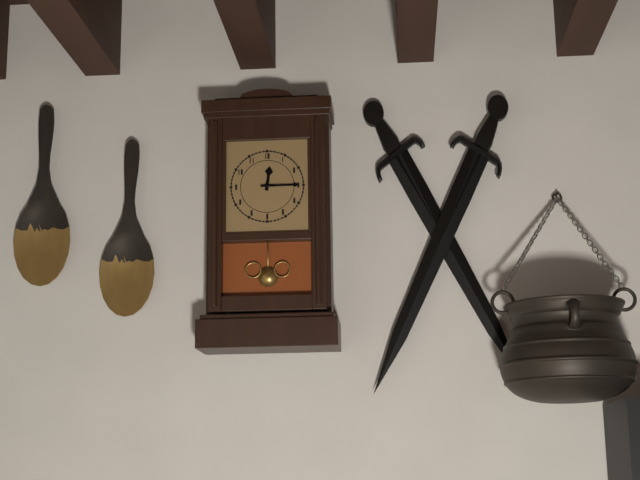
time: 12:15
